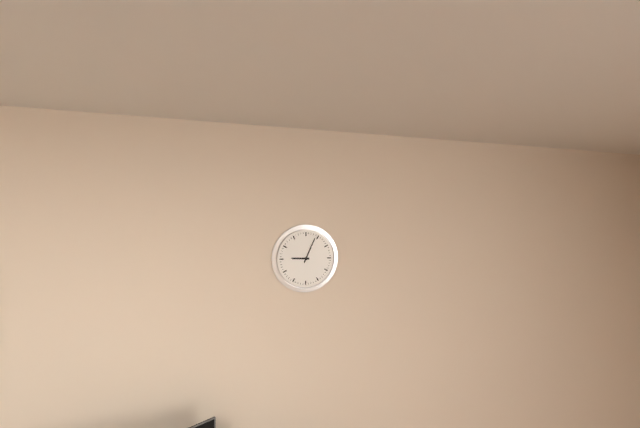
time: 9:04
